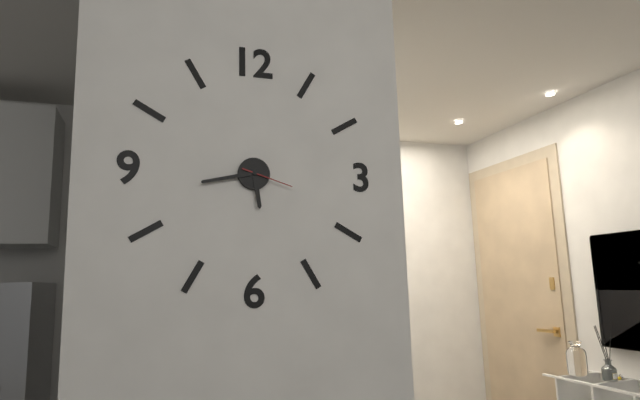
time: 5:43:18
